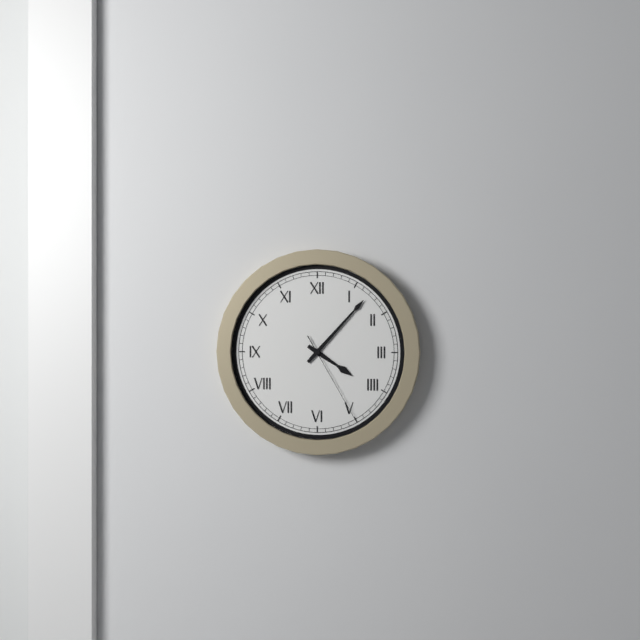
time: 4:07:25
